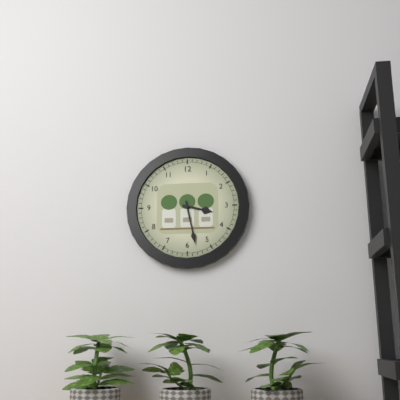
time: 3:28
